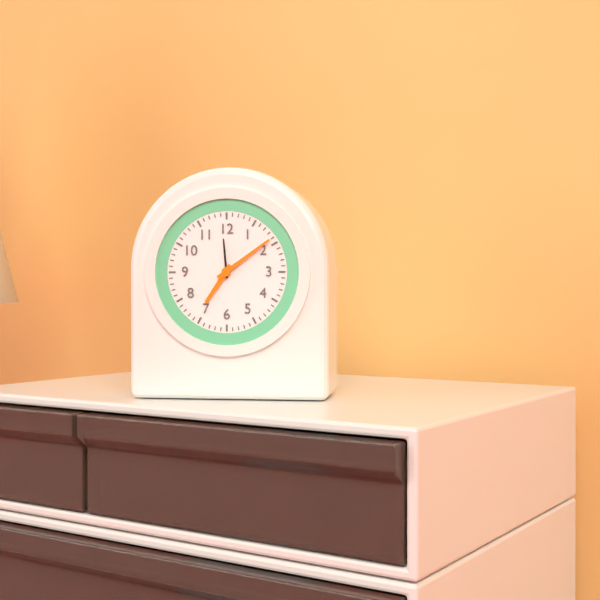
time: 7:09
